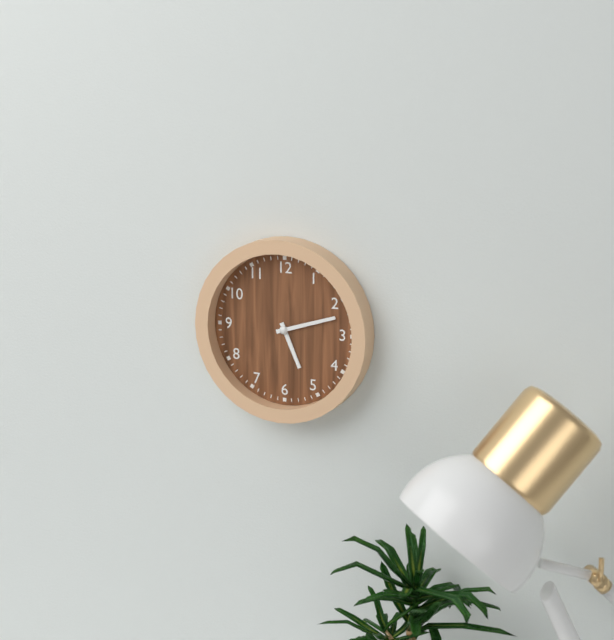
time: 5:12
